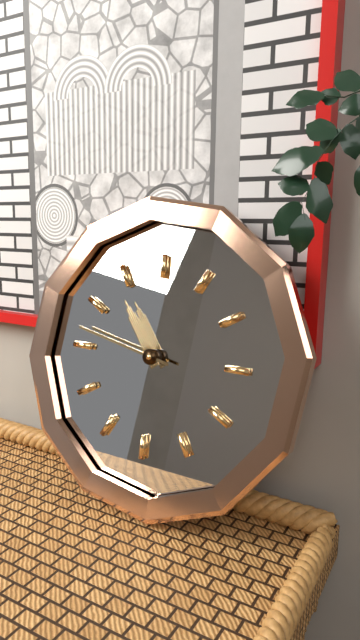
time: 10:47
